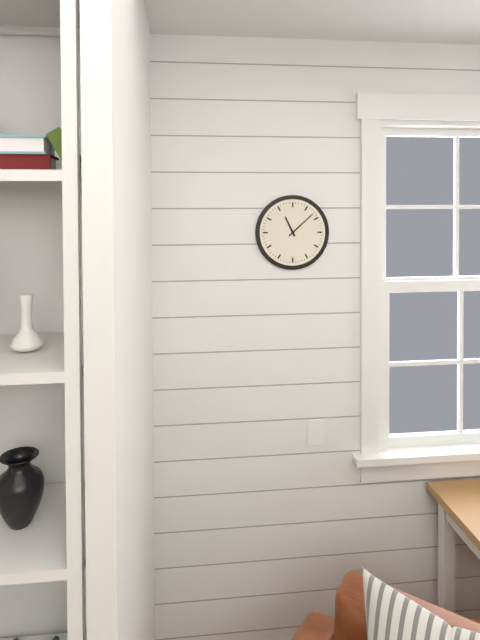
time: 11:08
